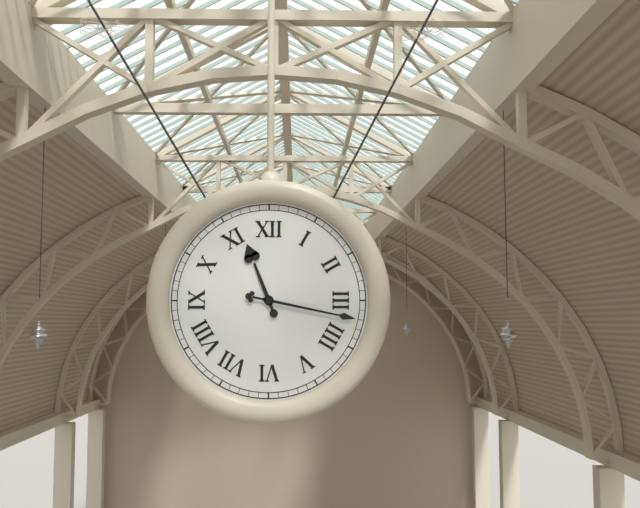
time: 11:17
